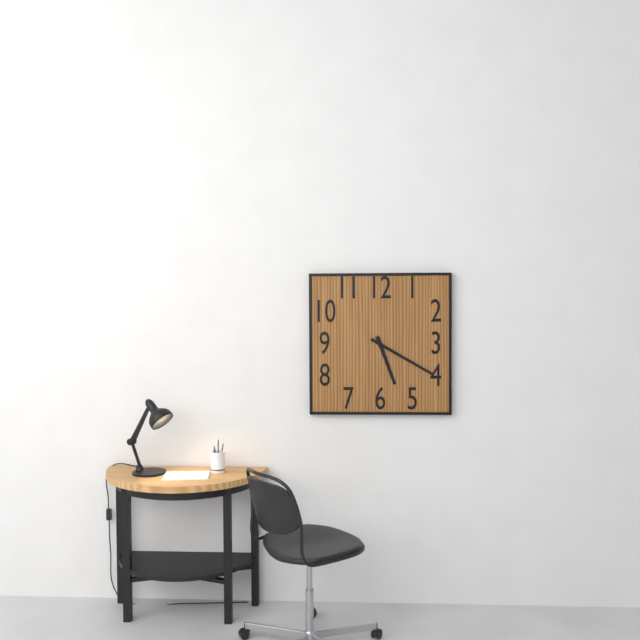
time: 5:20
